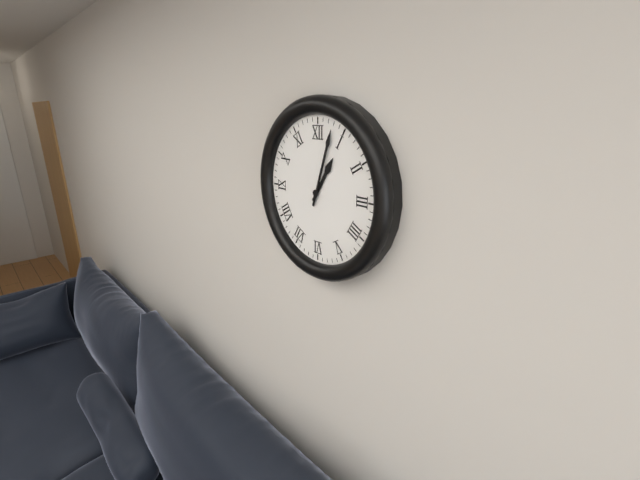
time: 1:03
